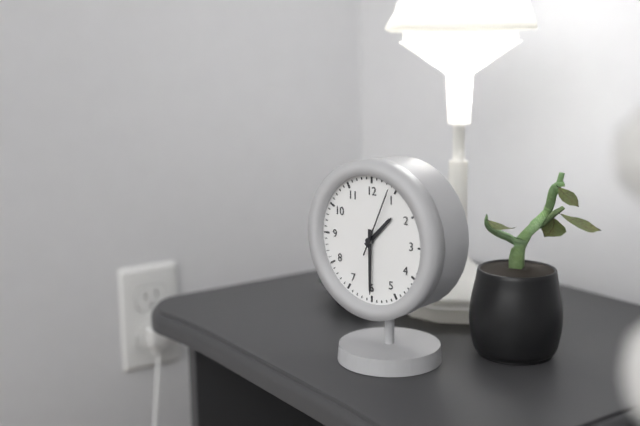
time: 1:30:04
